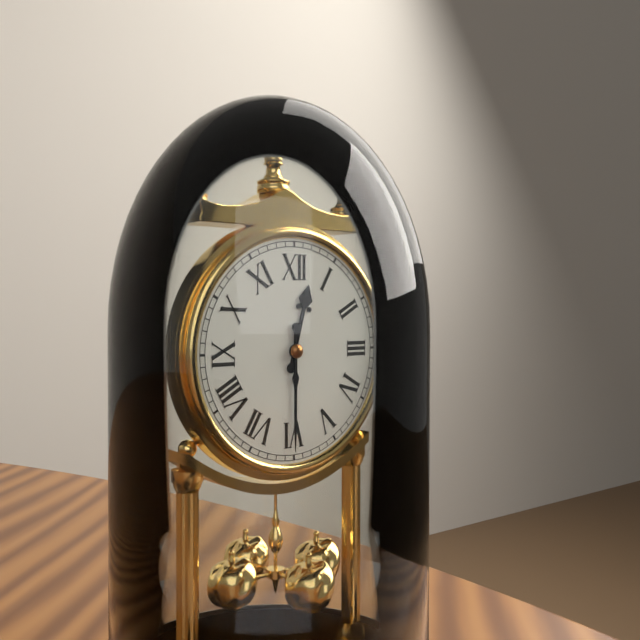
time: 12:30
